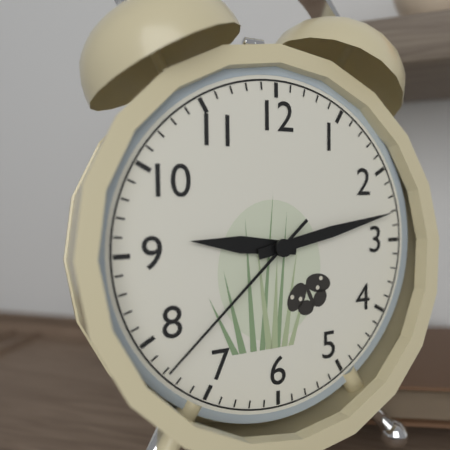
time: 9:13:38
